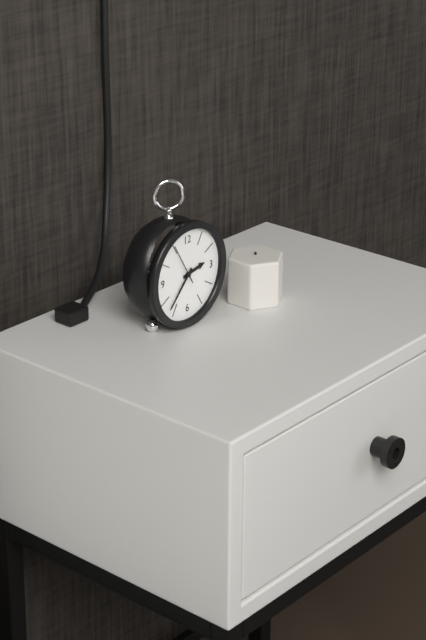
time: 2:37
